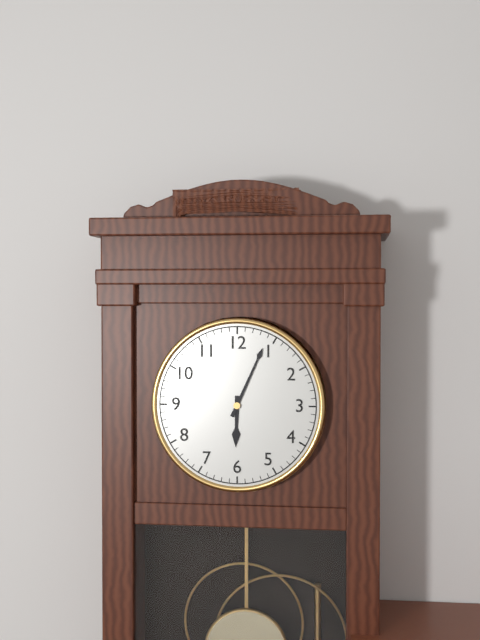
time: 6:04
